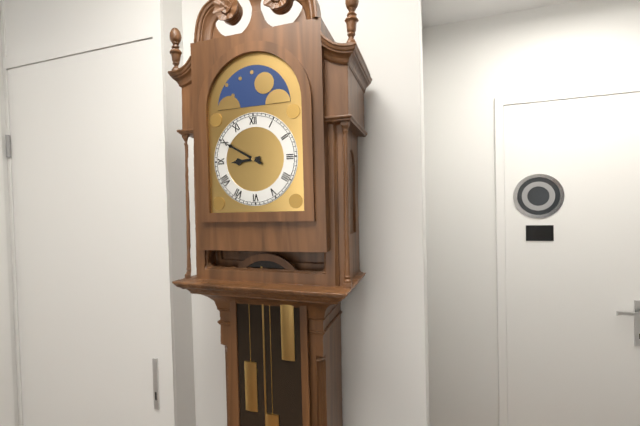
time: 8:50
